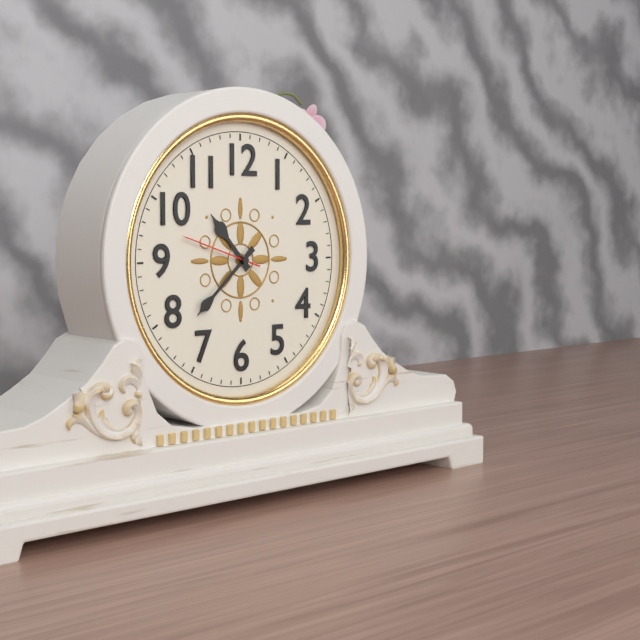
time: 10:38:48
